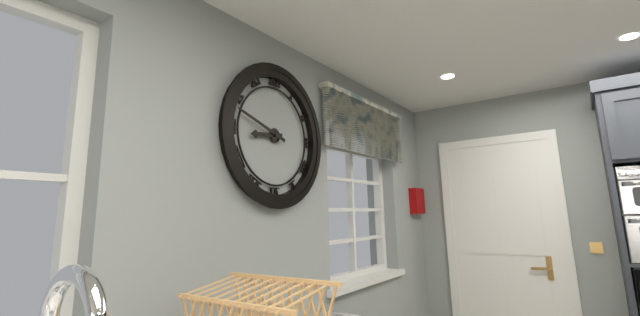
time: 8:48
